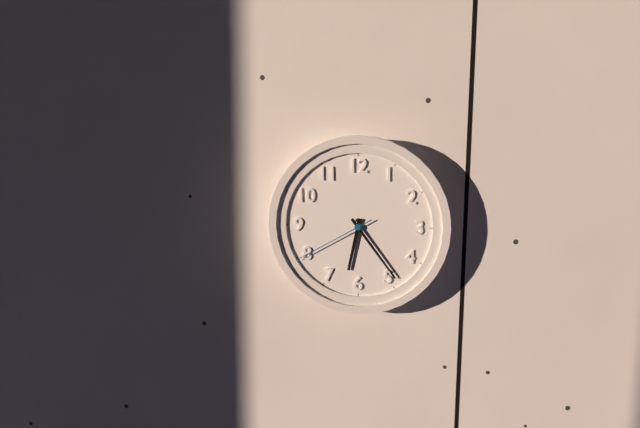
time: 6:24:40
